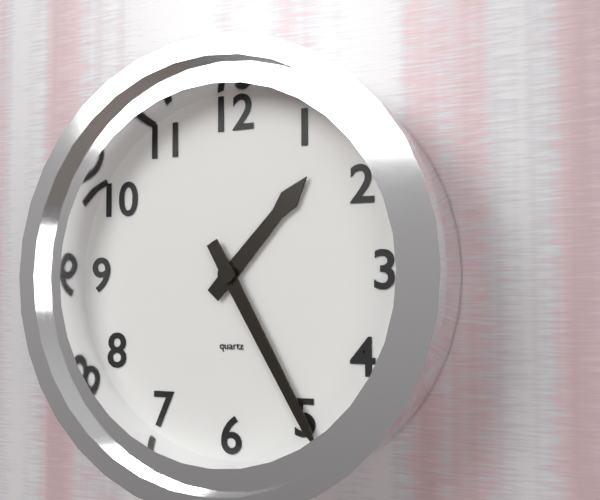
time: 1:25
